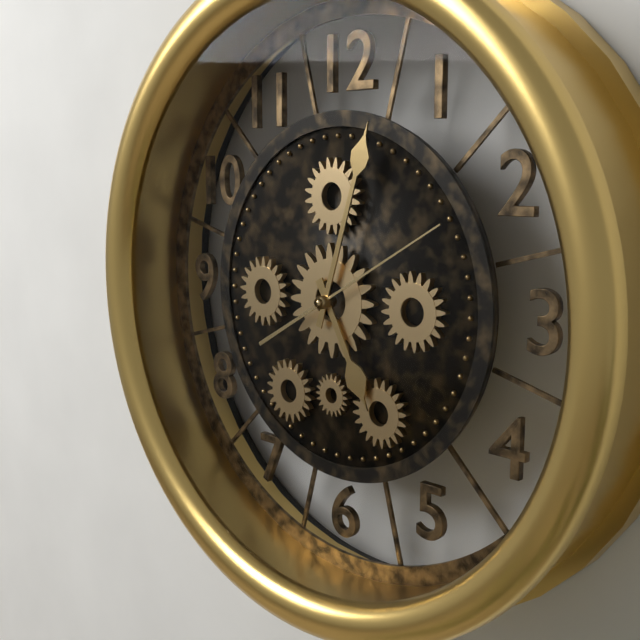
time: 5:03:10
